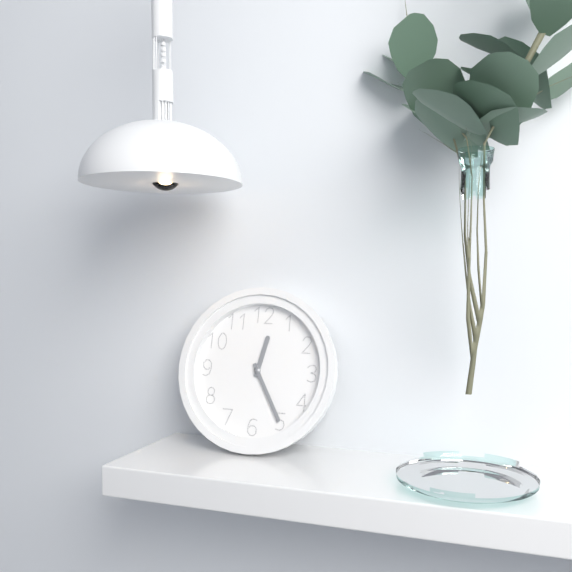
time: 12:25
